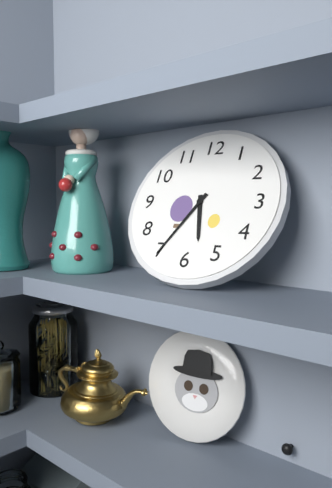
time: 5:35
